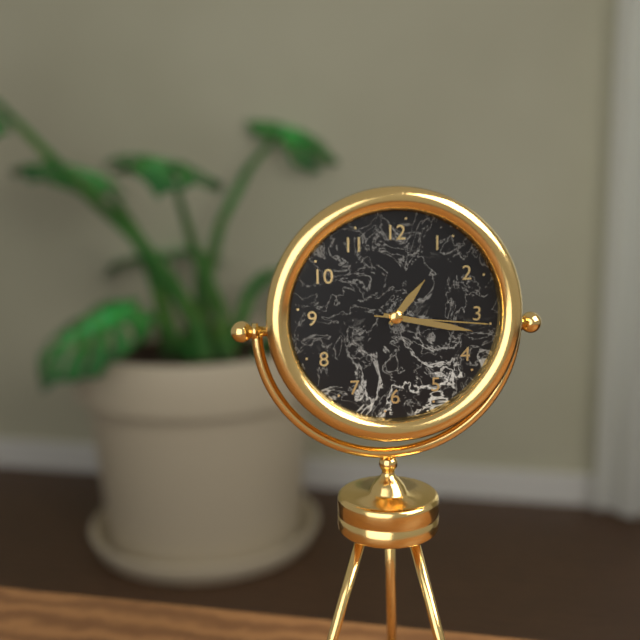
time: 1:17:16
